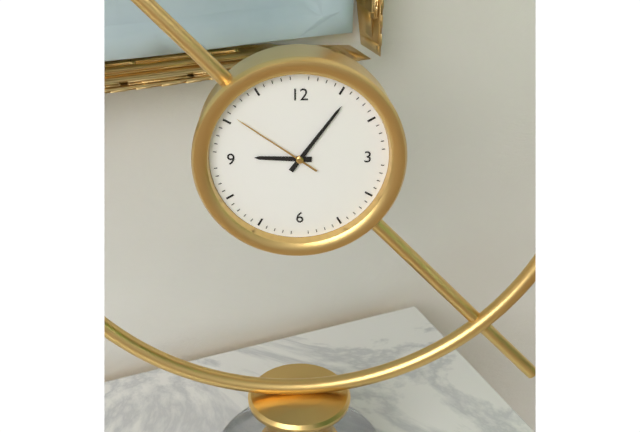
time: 9:06:51
